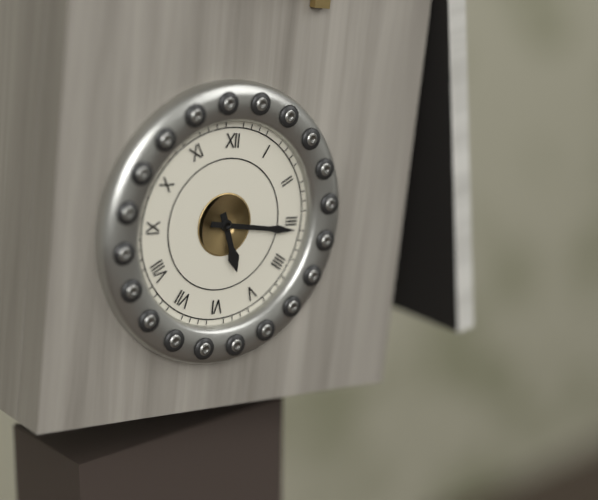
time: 5:16
